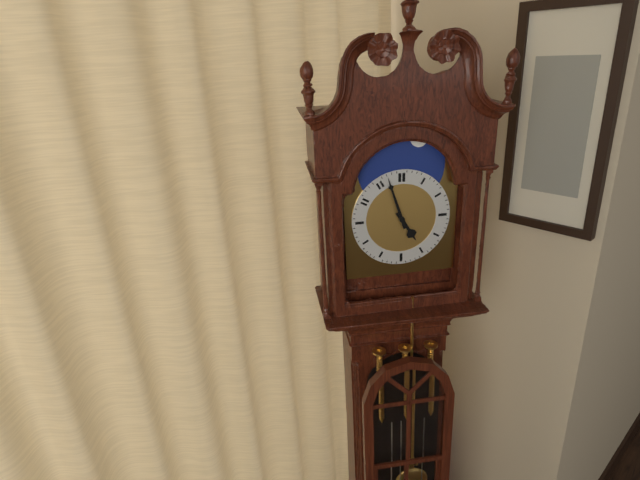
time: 4:57
